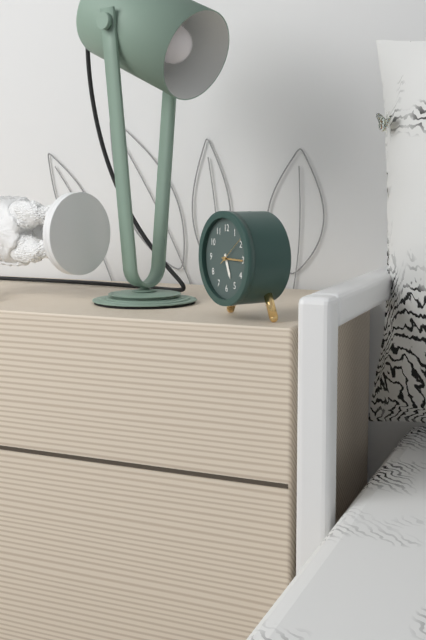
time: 5:15
